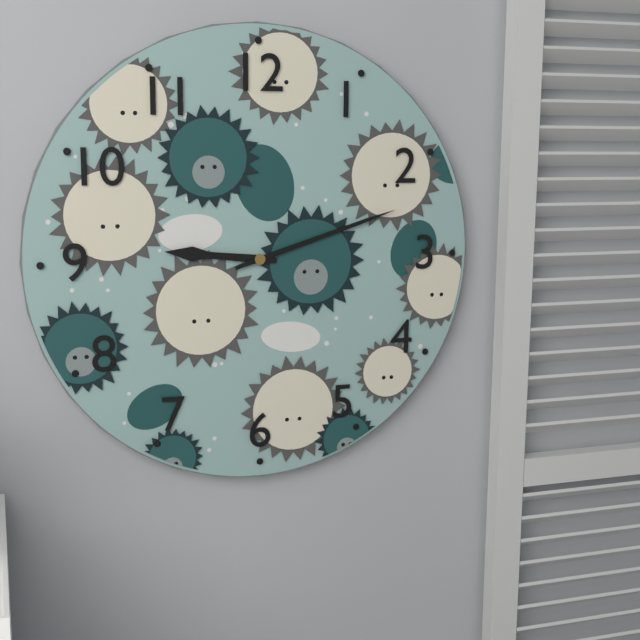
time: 9:12
